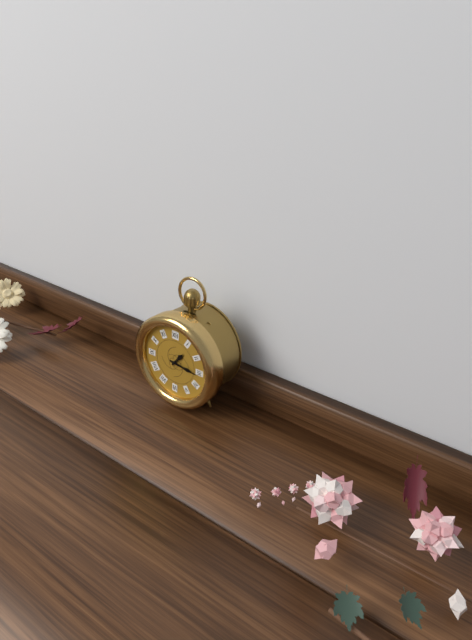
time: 1:16
